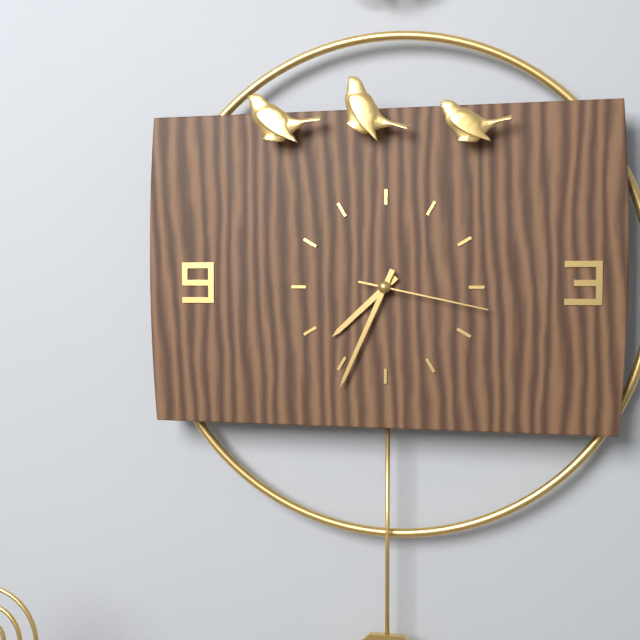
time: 7:34:17
